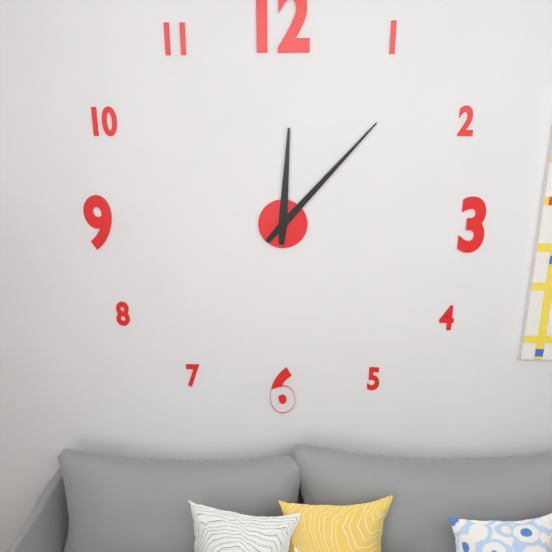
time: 12:07
